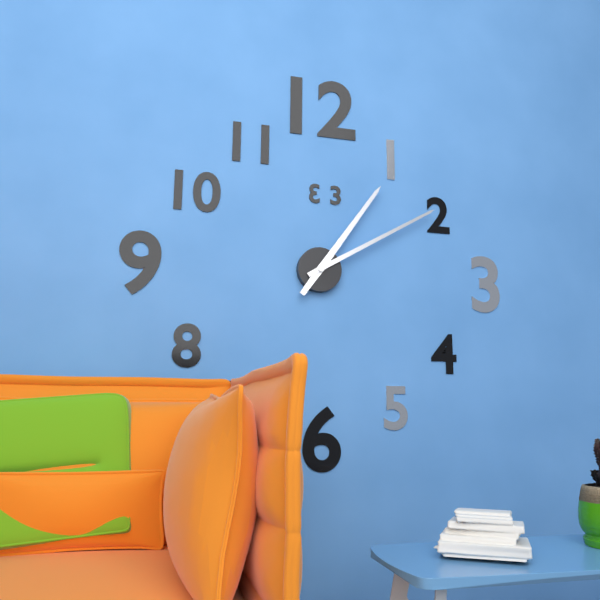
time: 1:10
